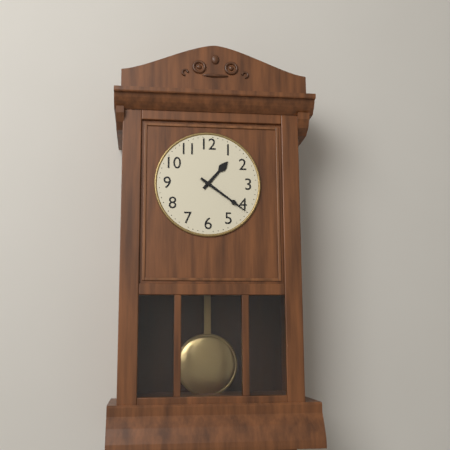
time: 1:21
